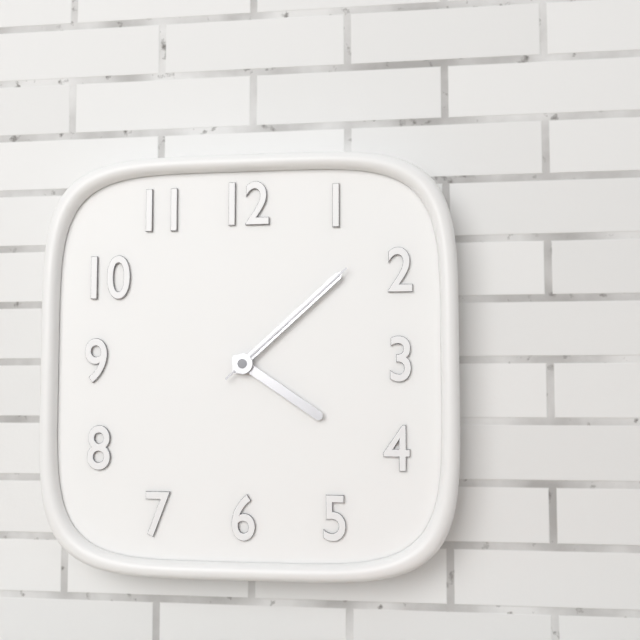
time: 4:08:08
